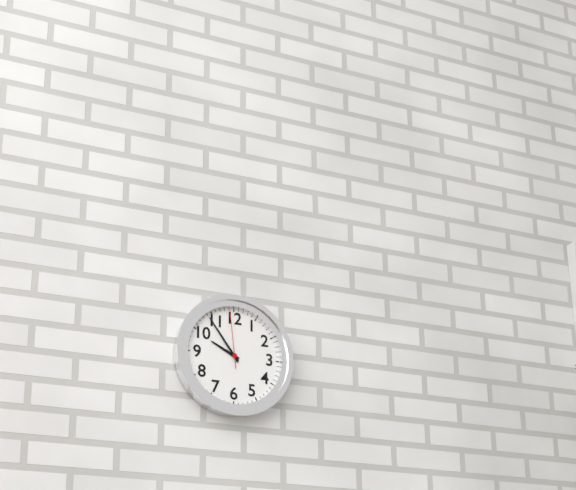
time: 9:54:59
